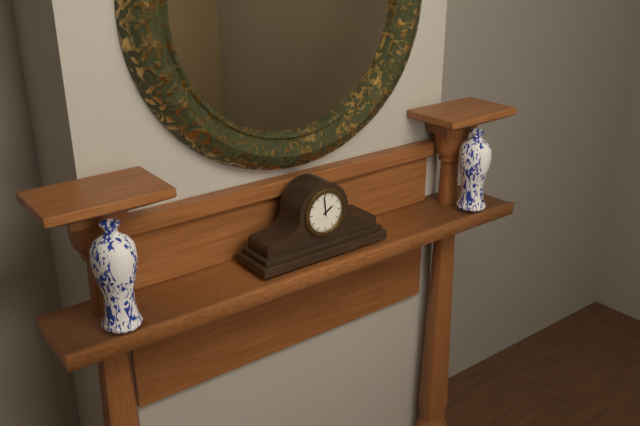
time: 1:59
